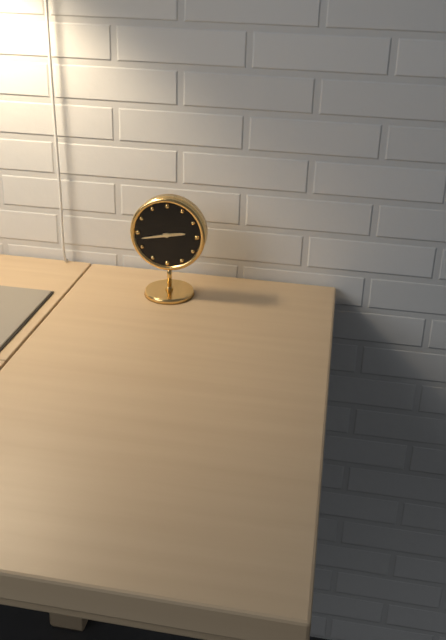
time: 2:43
